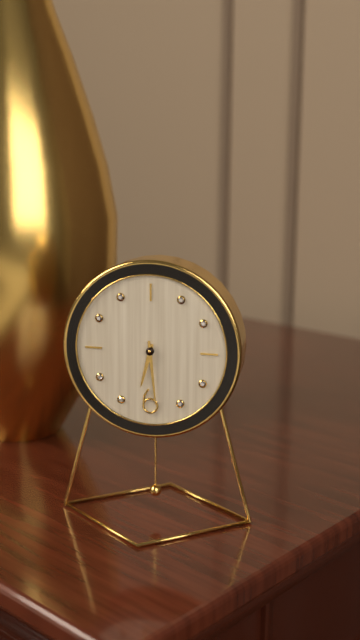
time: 6:29
